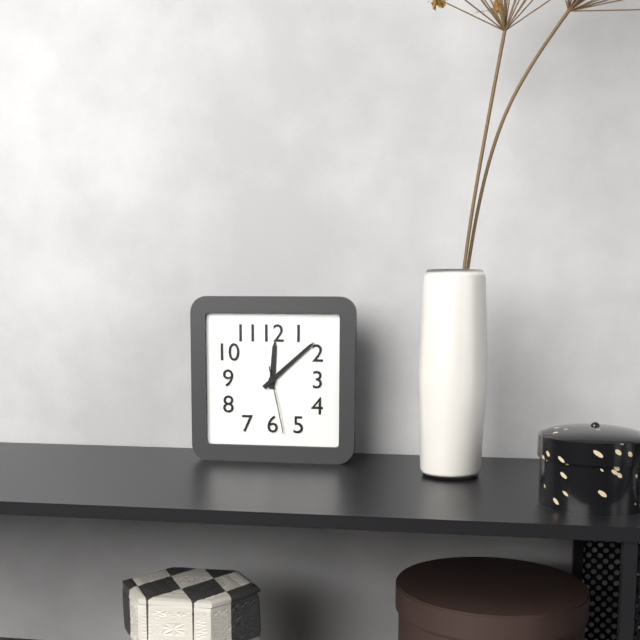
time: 12:08:28
